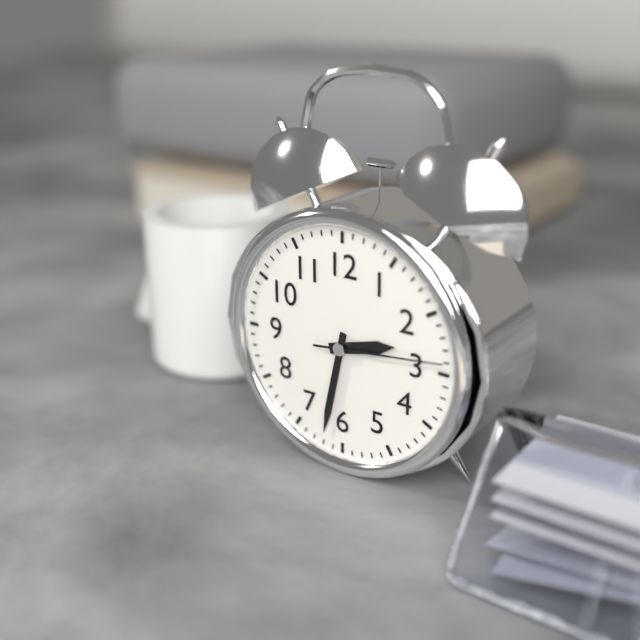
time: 2:32:14
